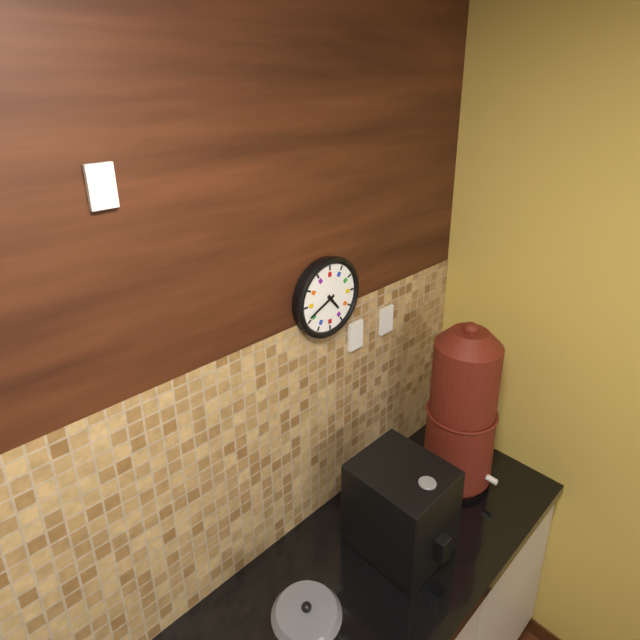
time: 4:41
